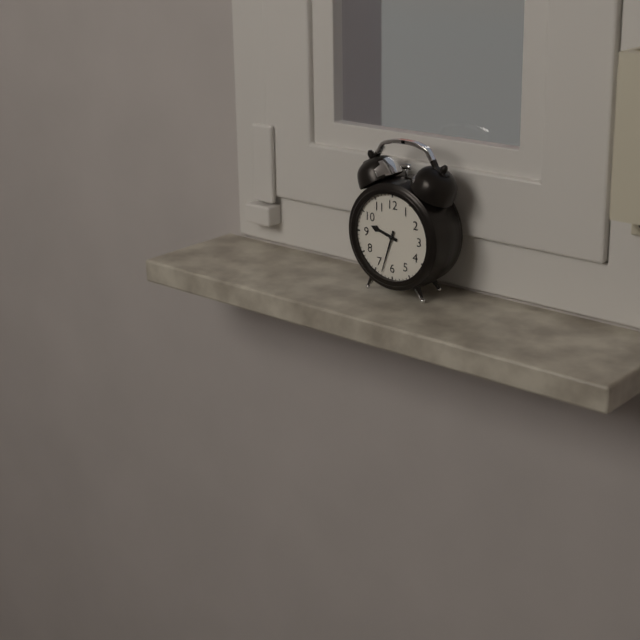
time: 9:33
